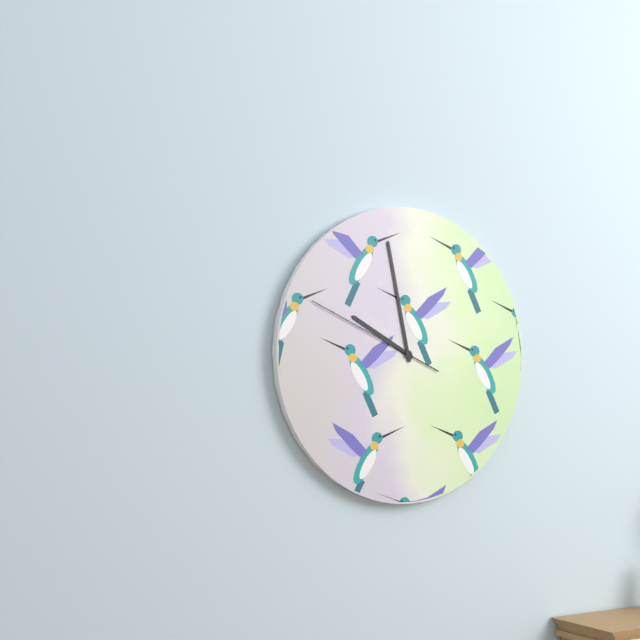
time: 9:58:49
